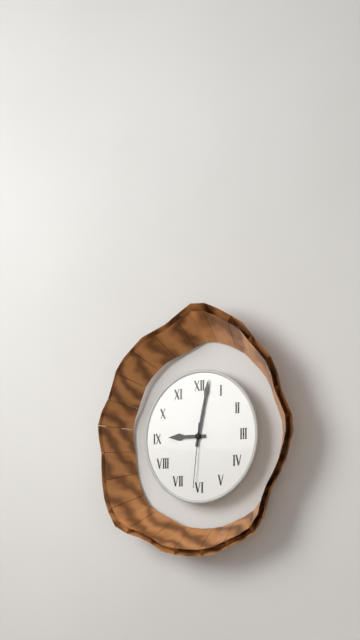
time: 9:02:31
